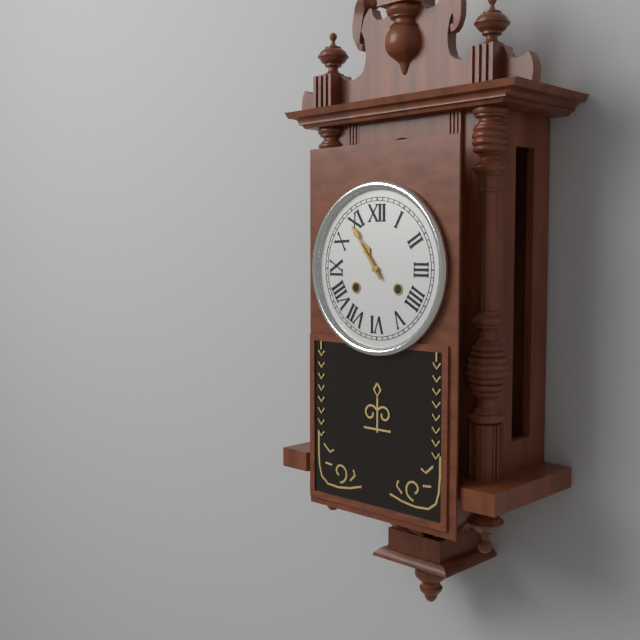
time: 10:54
